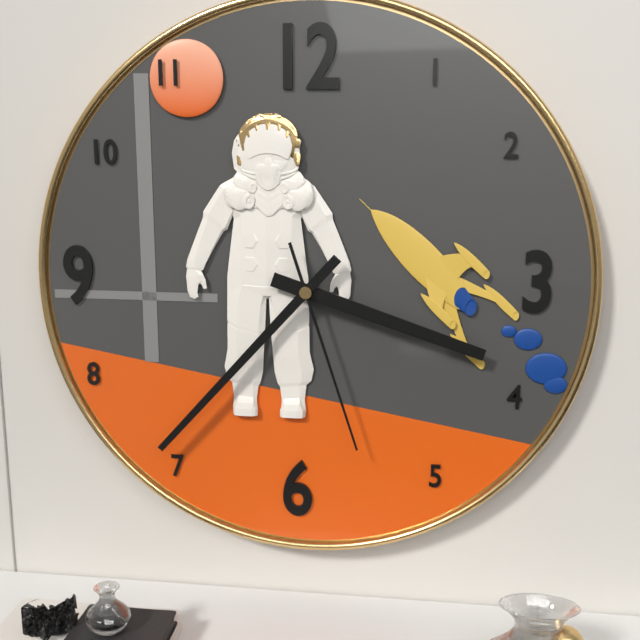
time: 3:37:27
